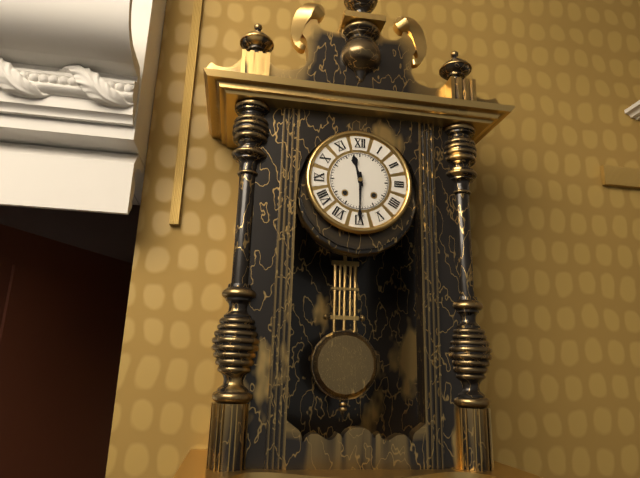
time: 11:30
